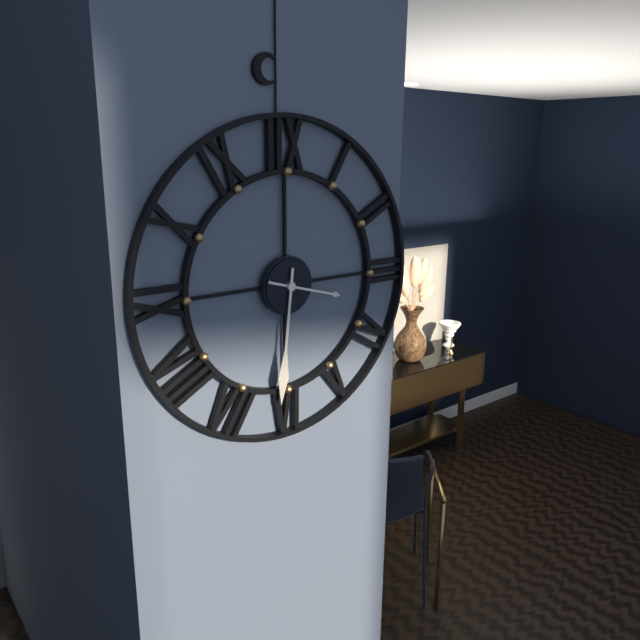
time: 3:31
